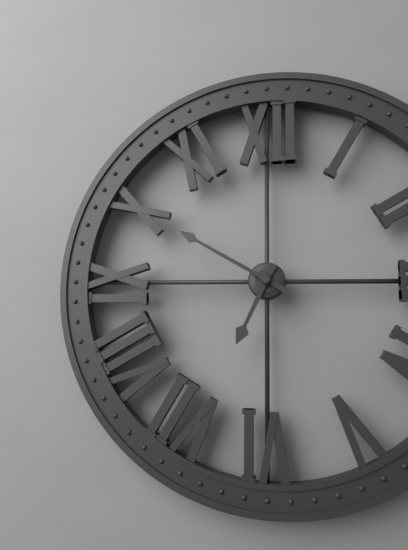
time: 6:50
